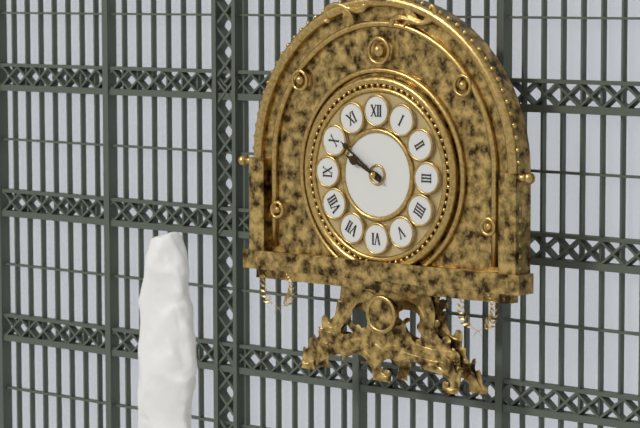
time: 9:51
